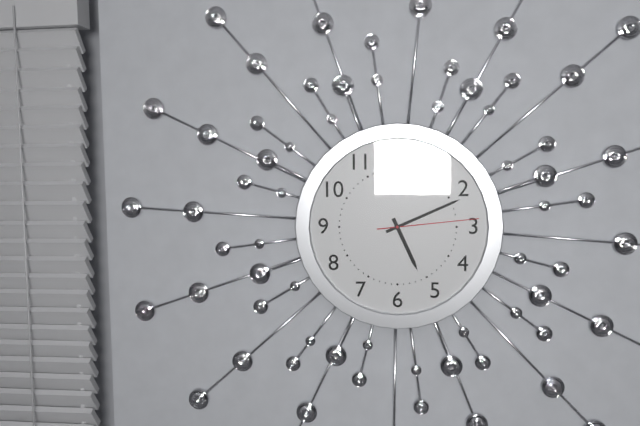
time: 5:11:14
